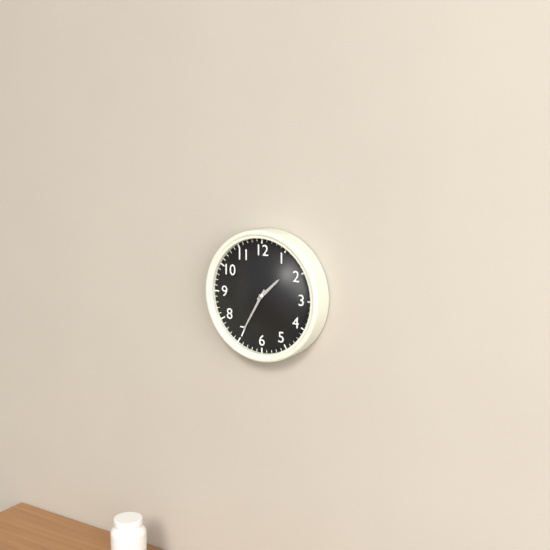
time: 1:35
